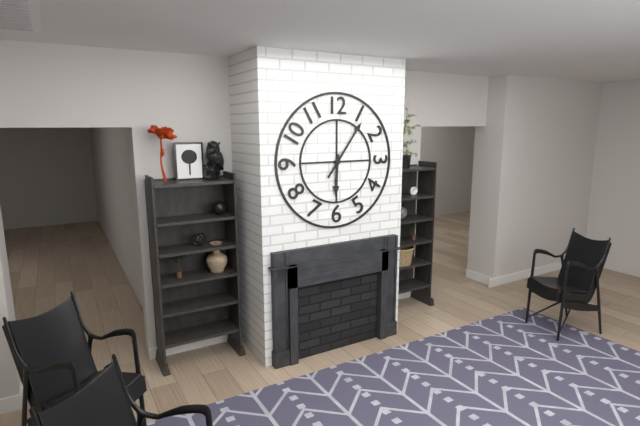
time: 6:06
